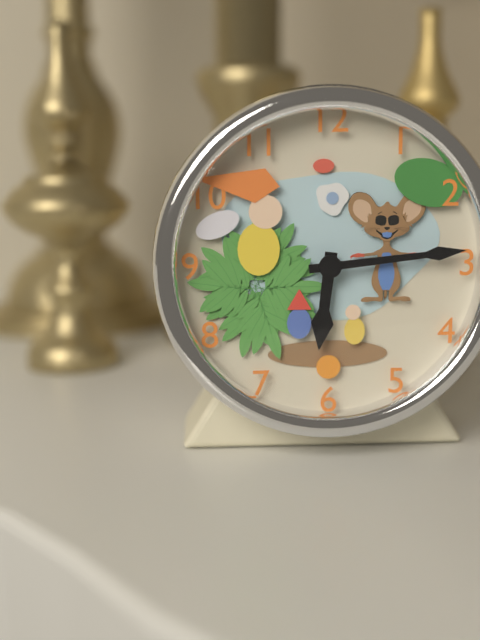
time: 6:14
